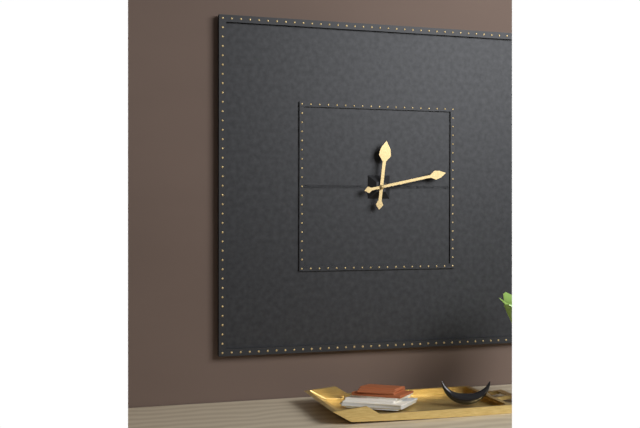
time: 12:13
